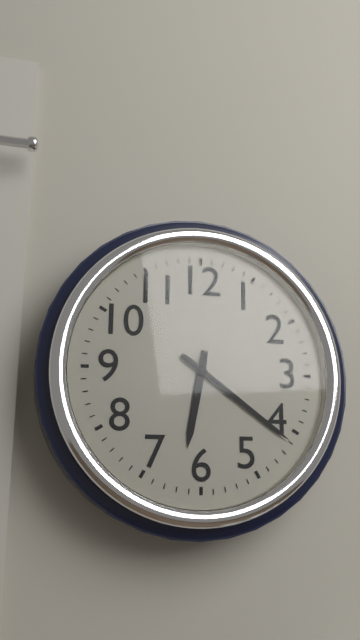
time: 6:21
